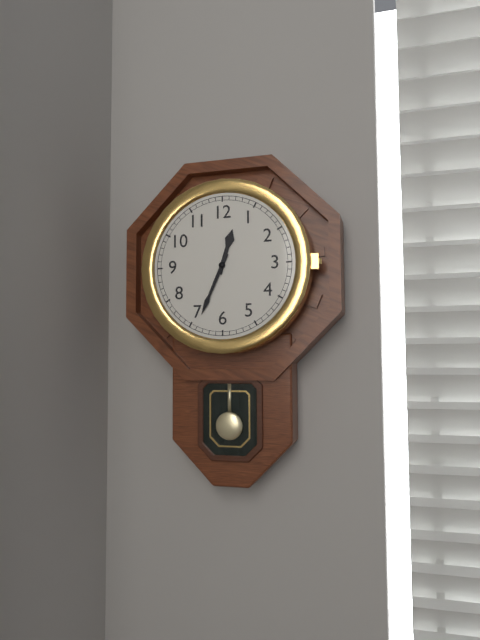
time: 12:34
